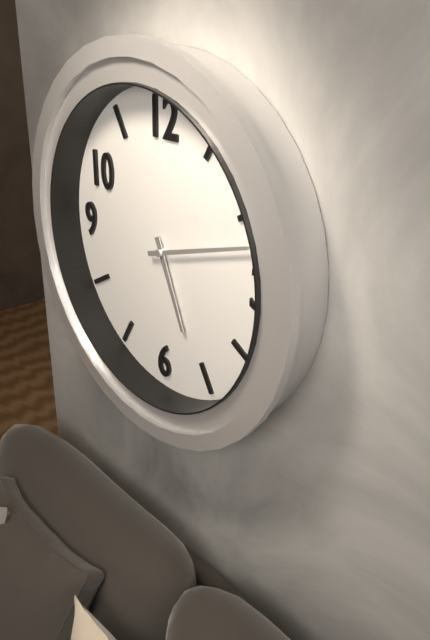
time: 5:12
